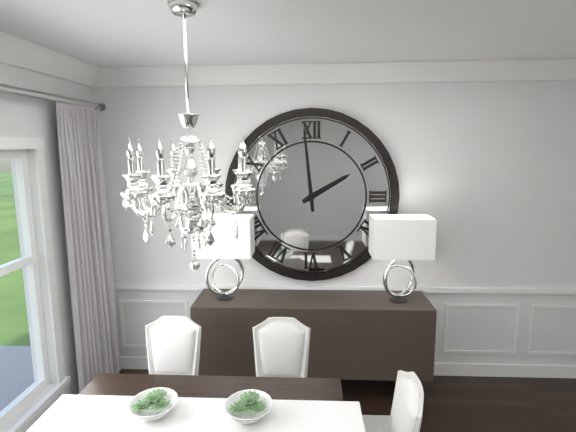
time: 1:59
